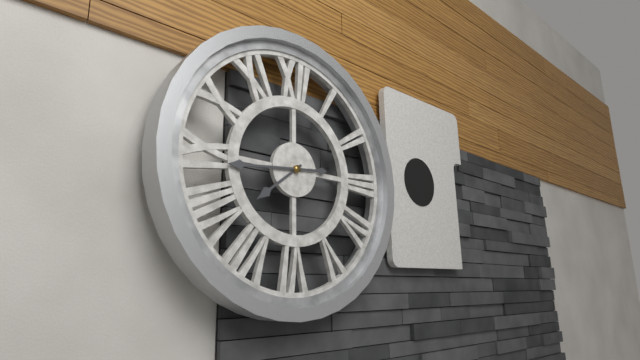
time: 7:44
